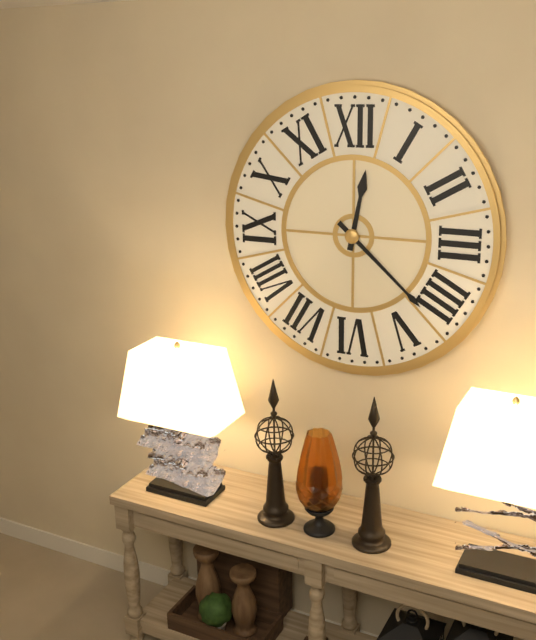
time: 12:22
